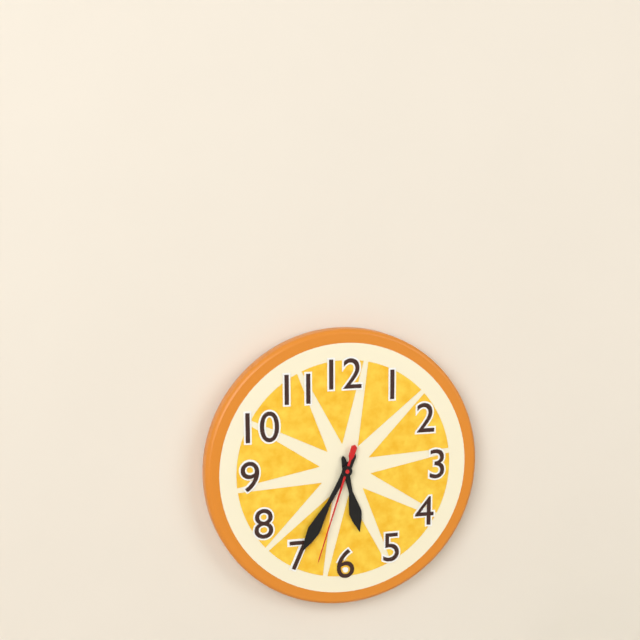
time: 5:35:33
